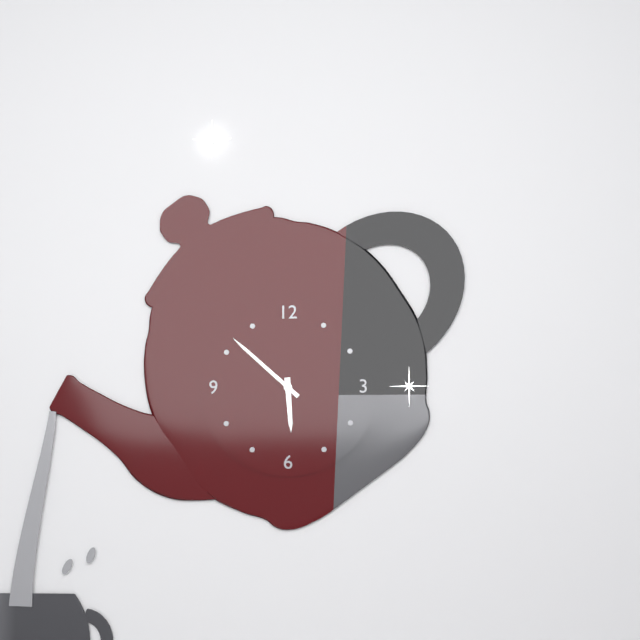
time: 5:52
